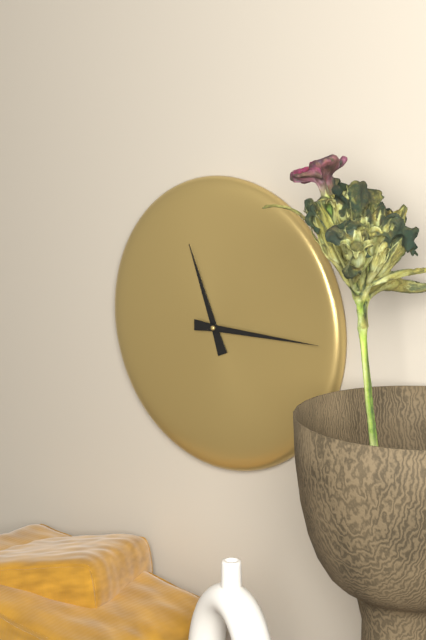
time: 11:15
